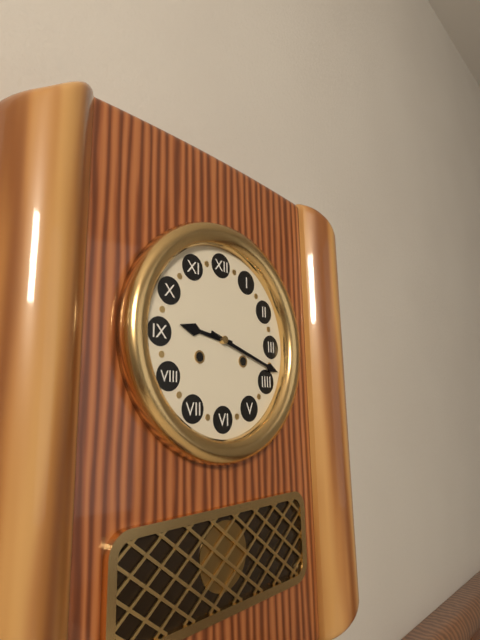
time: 9:18
